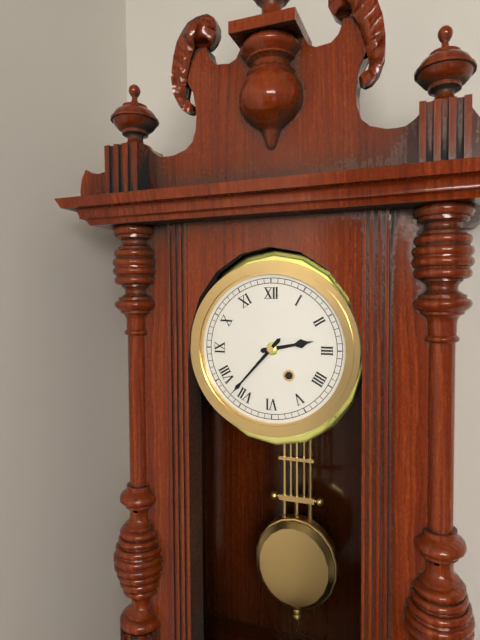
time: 2:37
